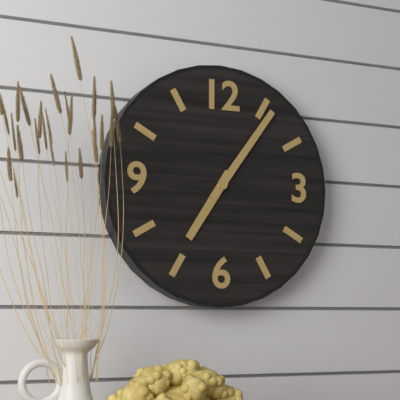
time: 7:06
